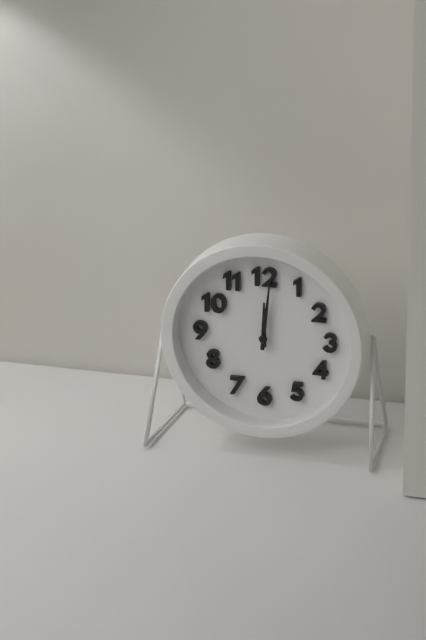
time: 12:01
